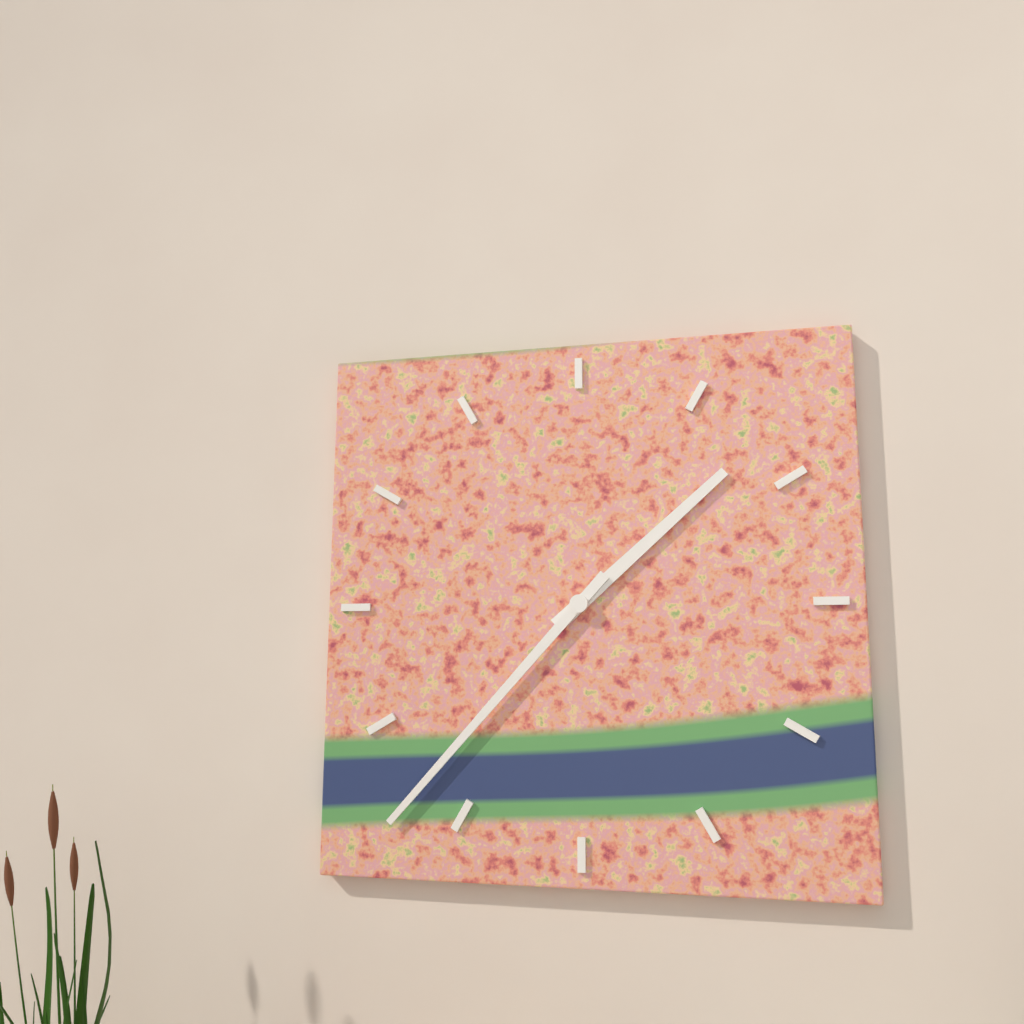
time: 1:37
